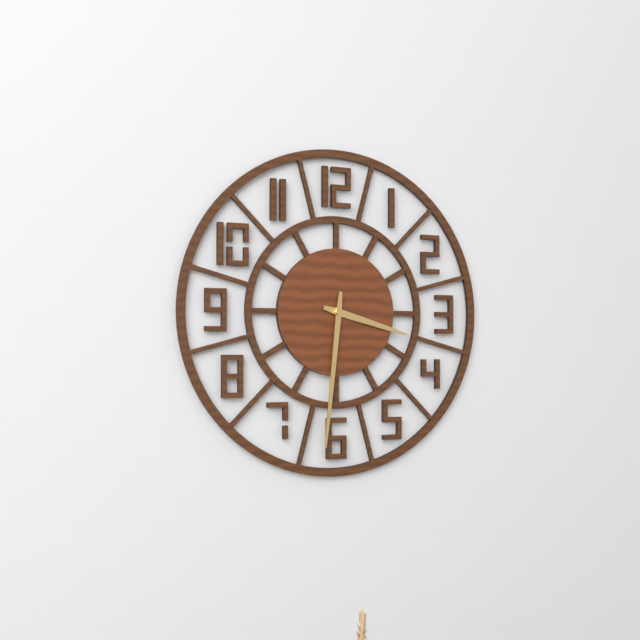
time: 3:31
